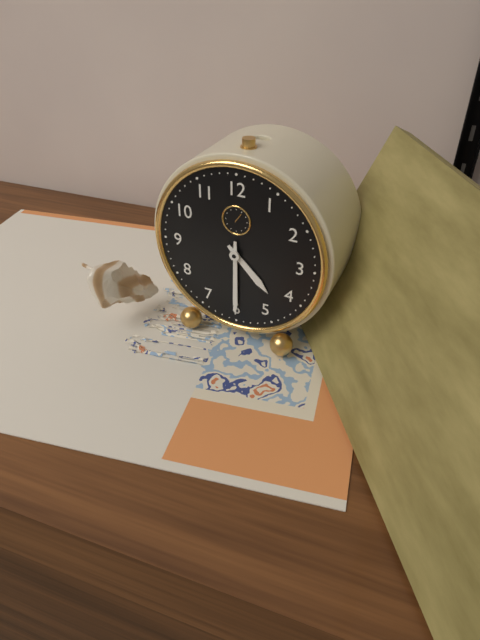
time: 4:30
